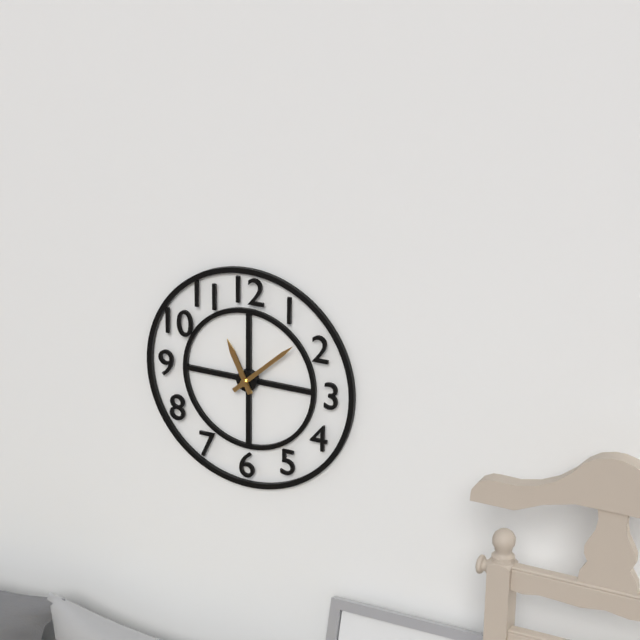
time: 11:08
